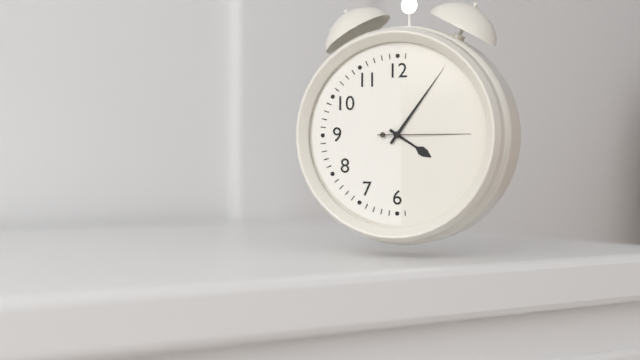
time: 4:06:15
